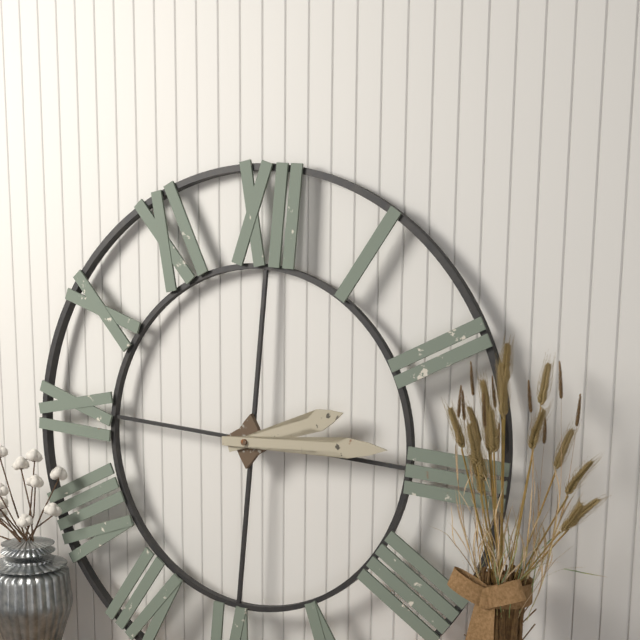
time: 2:14
